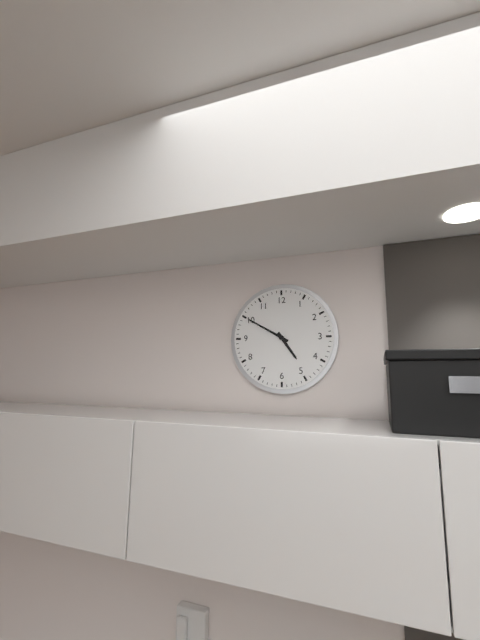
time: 4:50
